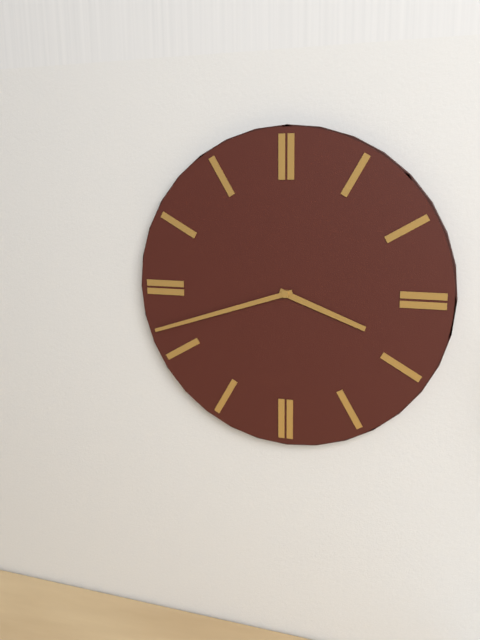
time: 3:42
